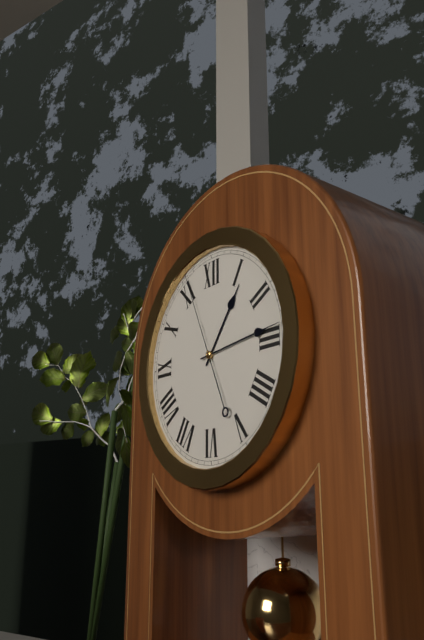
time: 1:14:56
